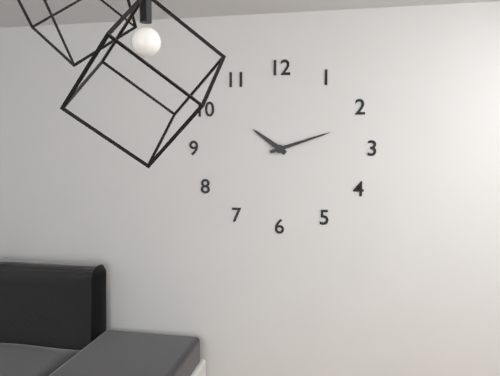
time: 10:12
